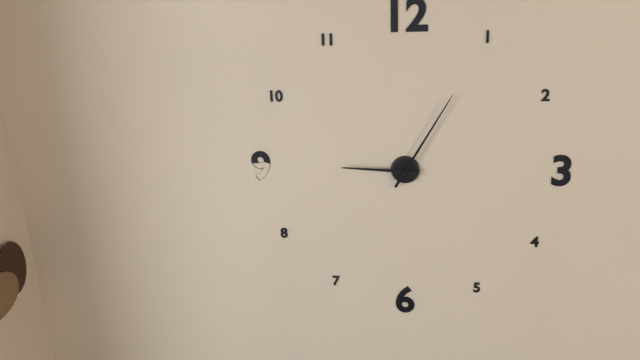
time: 9:05
